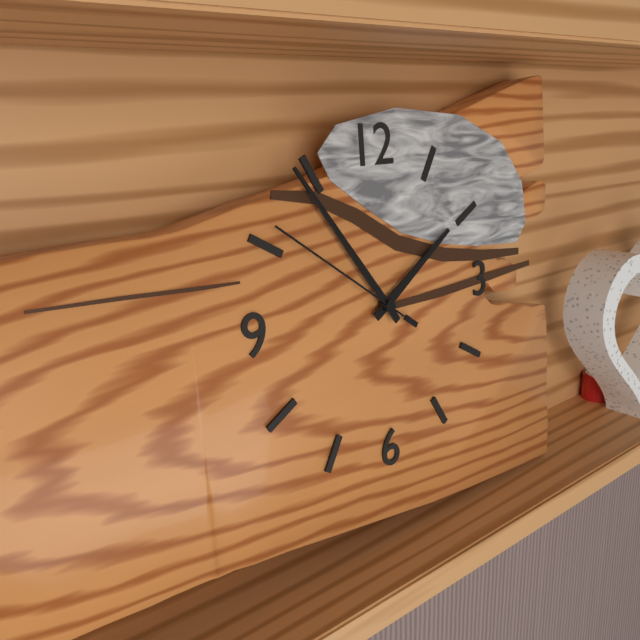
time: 1:54:51
